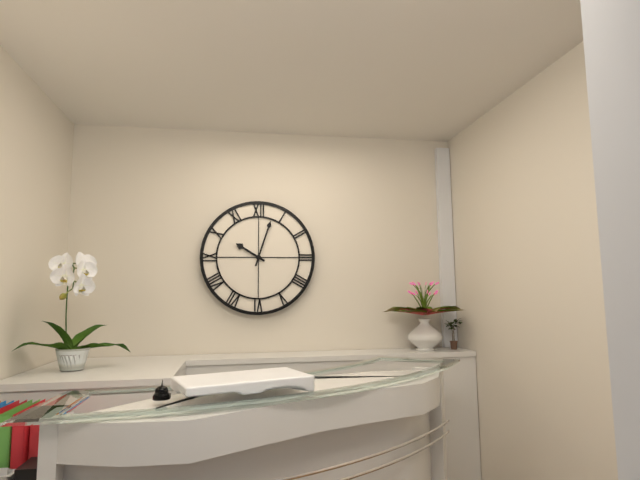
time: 10:03
